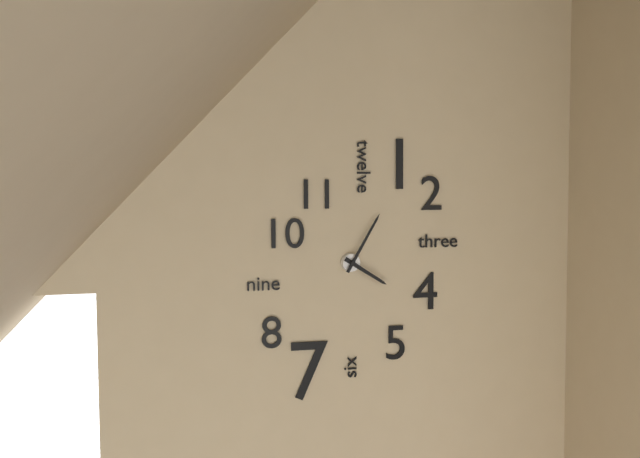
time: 4:05
